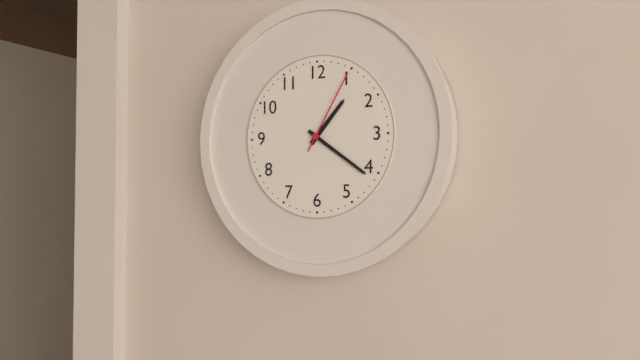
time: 1:21:05
